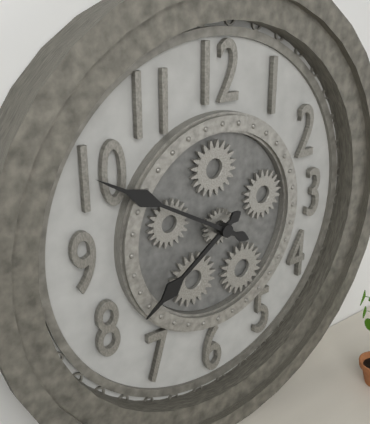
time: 7:50
